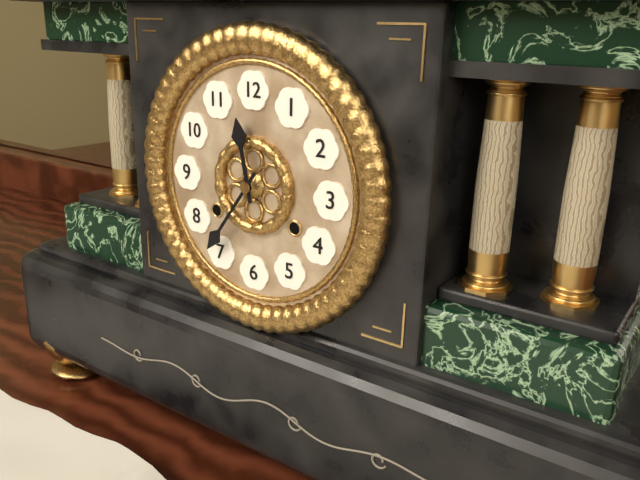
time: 11:36
